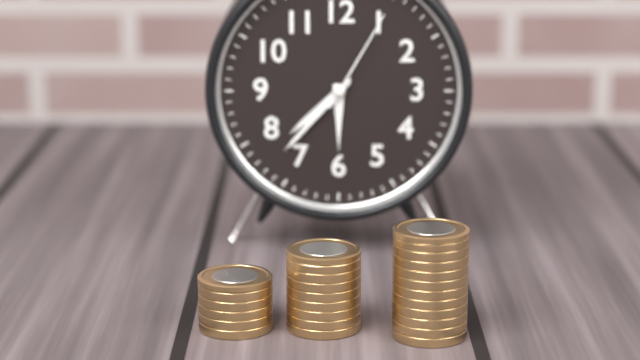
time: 7:37:05
